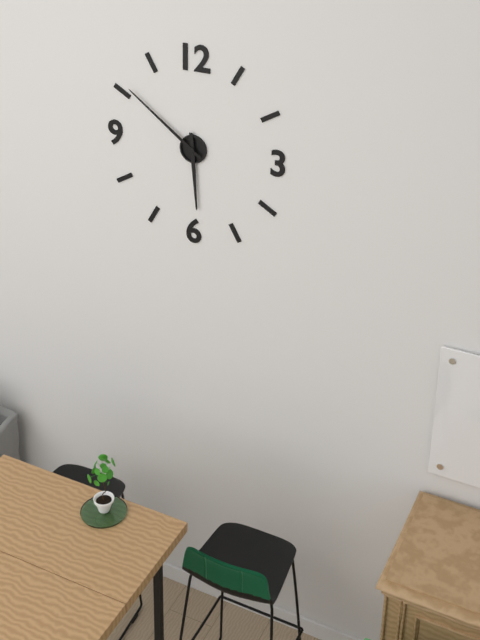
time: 5:51
